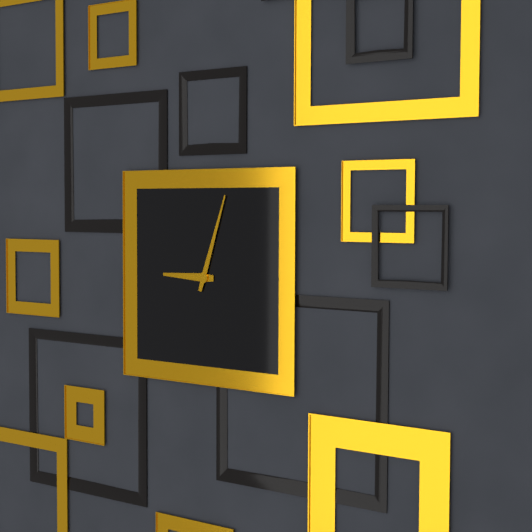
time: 9:03
